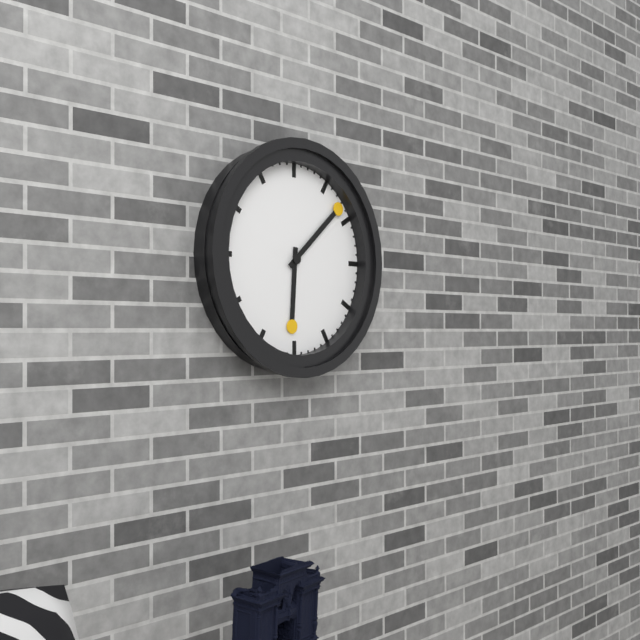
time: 6:08
